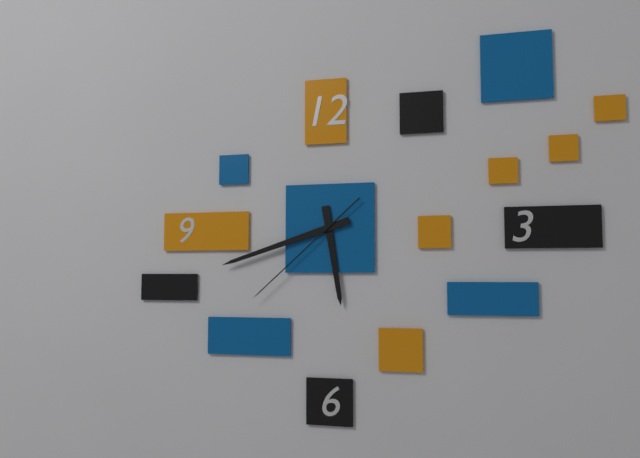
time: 5:42:38
